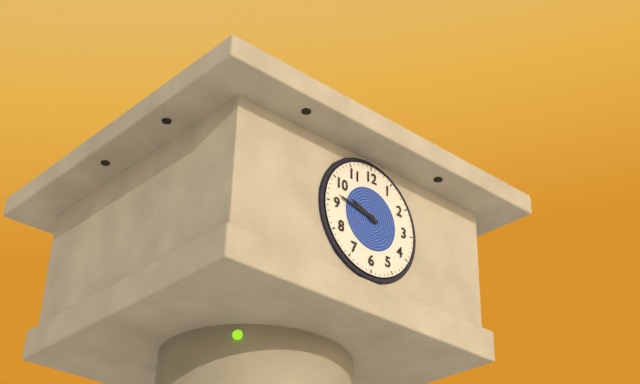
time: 9:47
